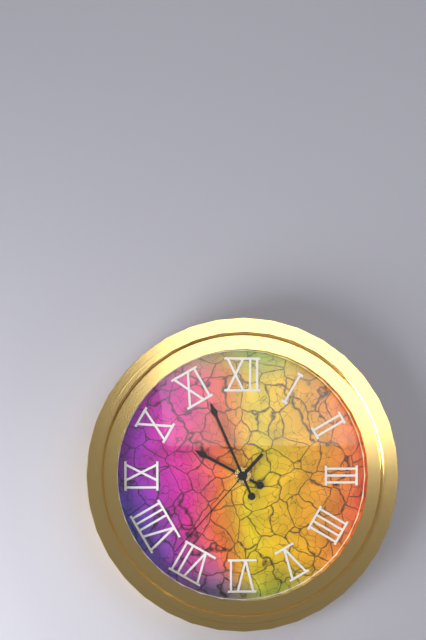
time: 9:56:37
